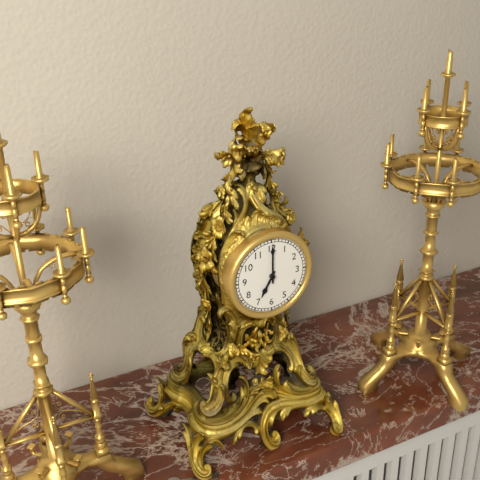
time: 7:00
